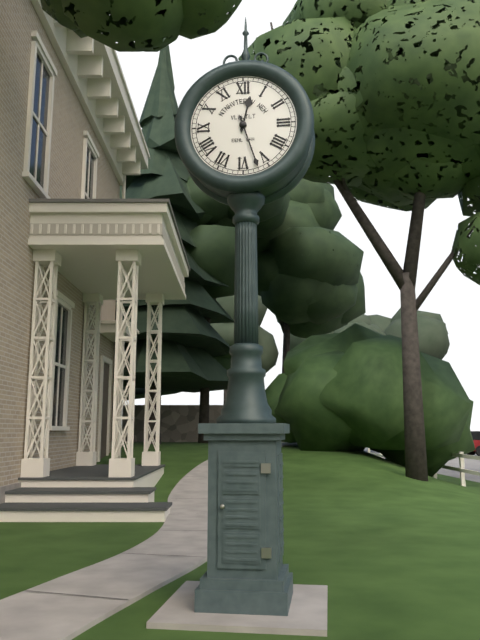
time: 12:27
